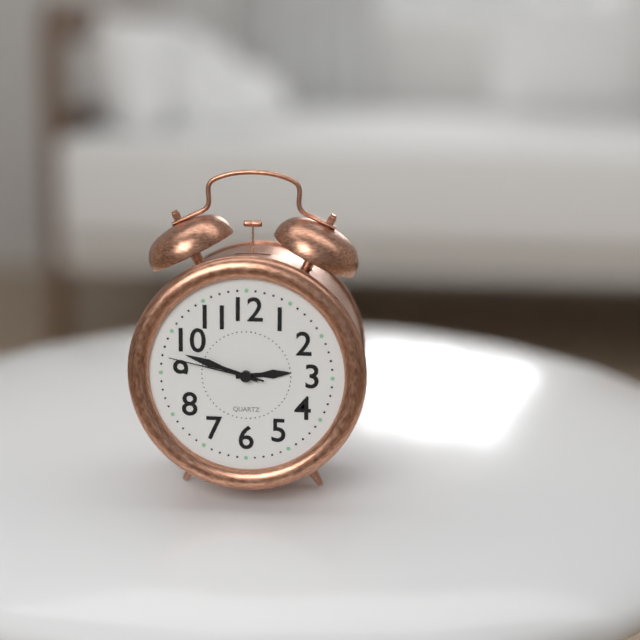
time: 2:48:47
